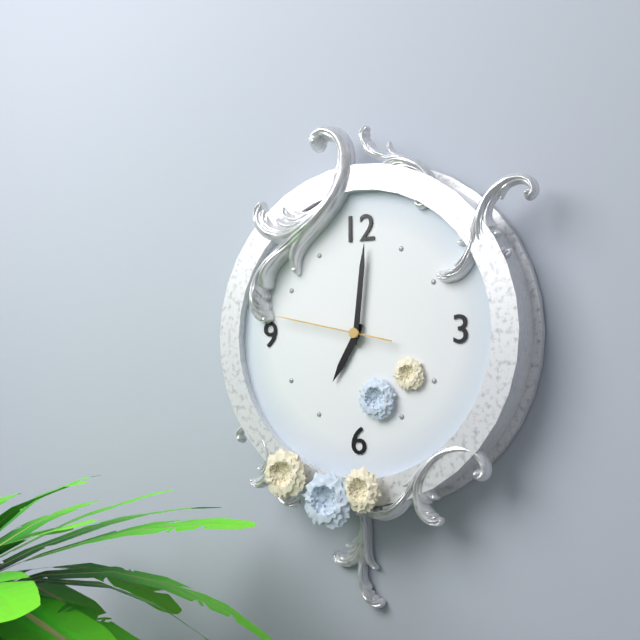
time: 7:01:47
